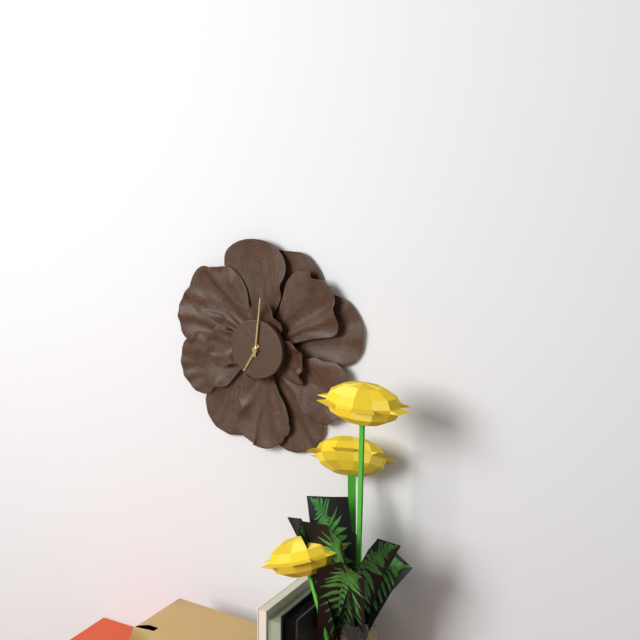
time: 7:01
